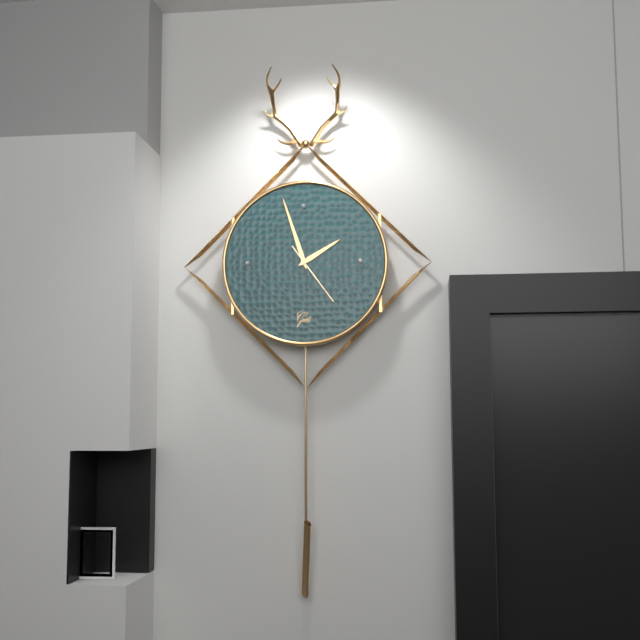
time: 1:57:24
